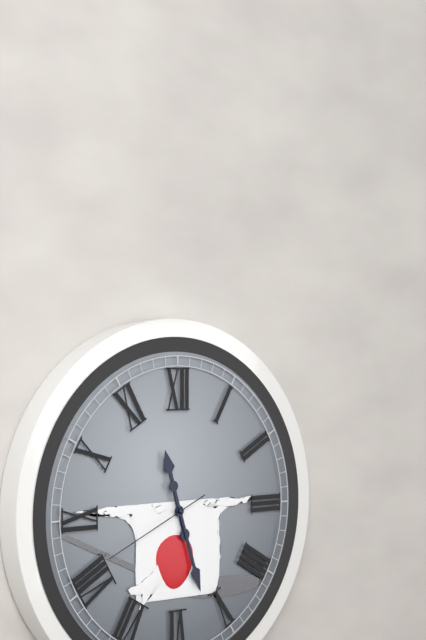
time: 11:27:41
